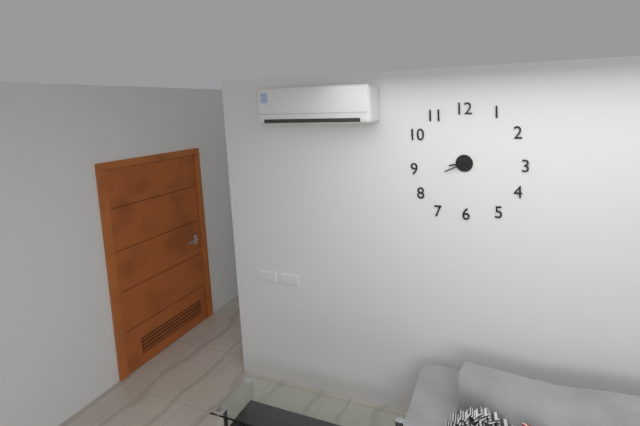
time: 8:41
